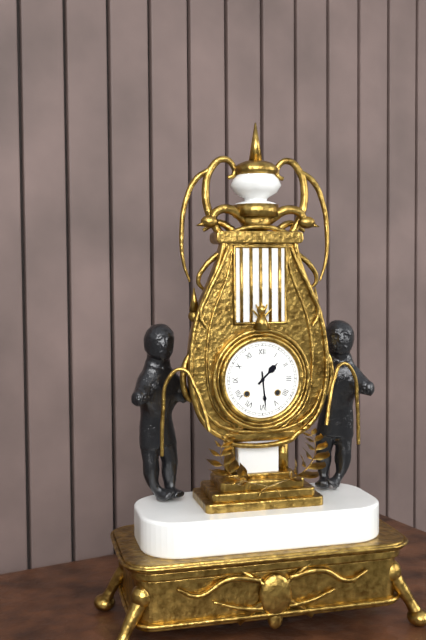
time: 1:29
